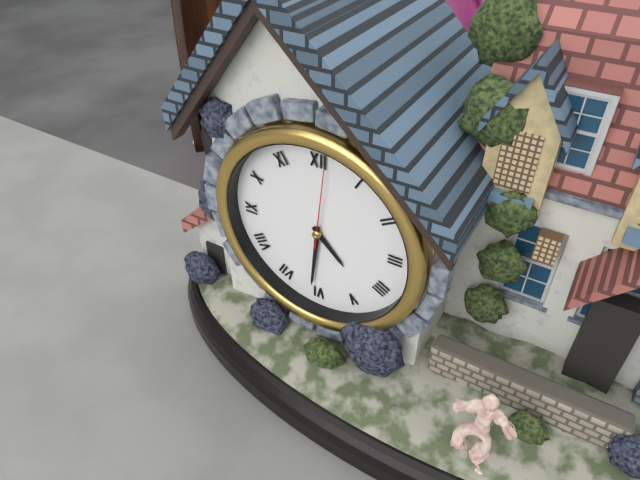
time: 4:31:01
